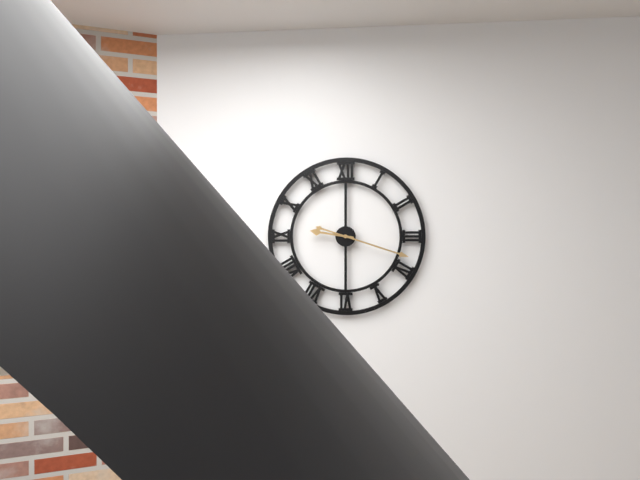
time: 9:18
